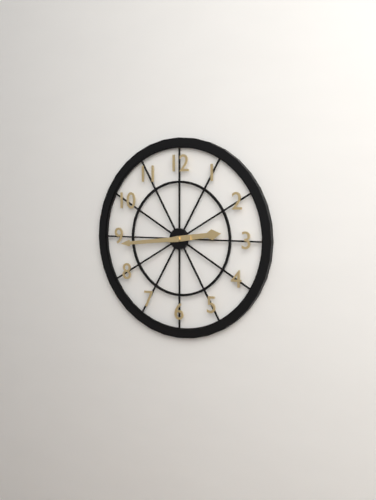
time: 2:44
